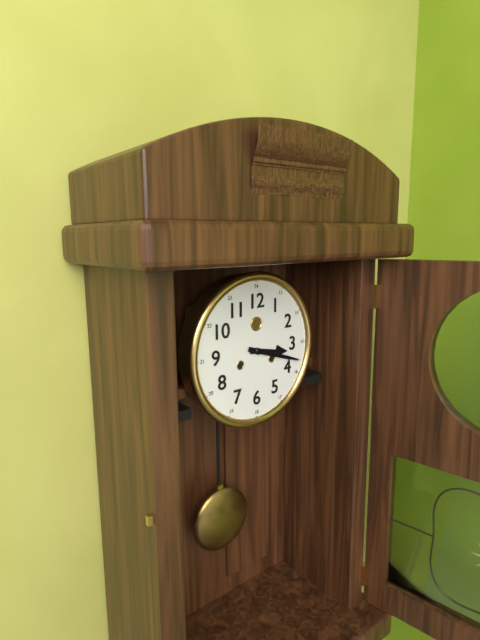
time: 3:18
